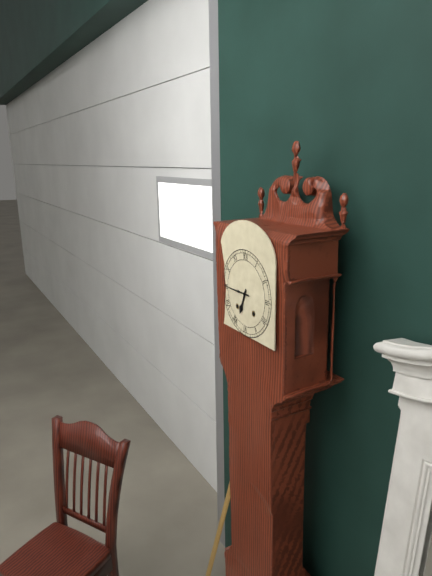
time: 6:45
